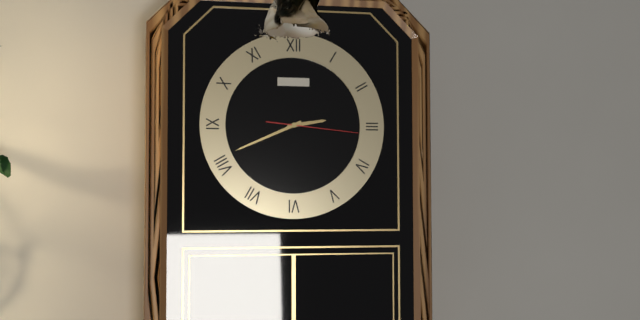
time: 2:41:16
